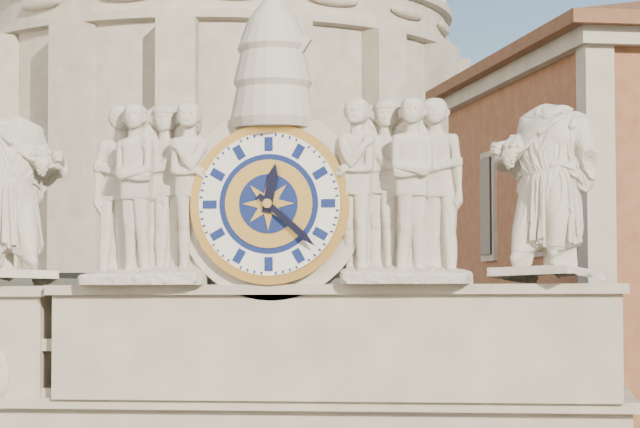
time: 12:22
